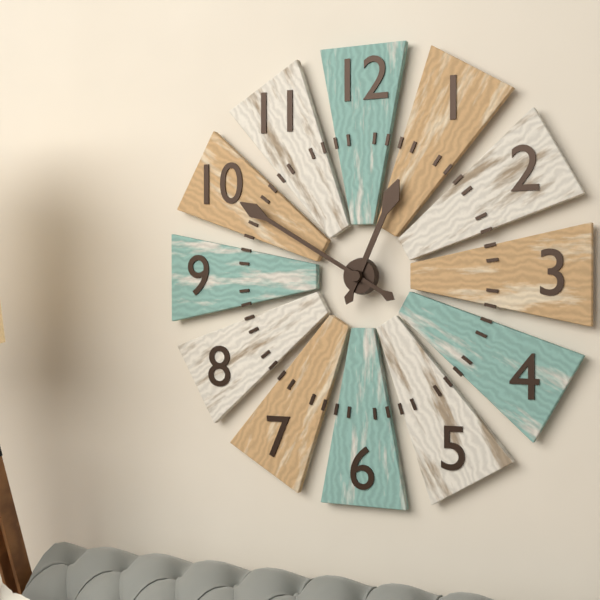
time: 12:50
